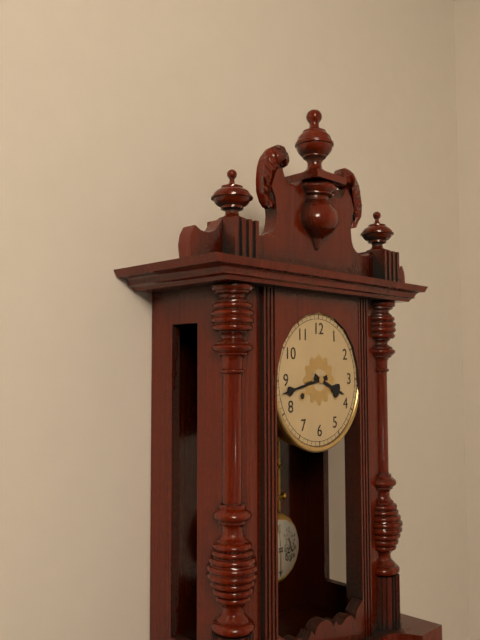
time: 3:43
